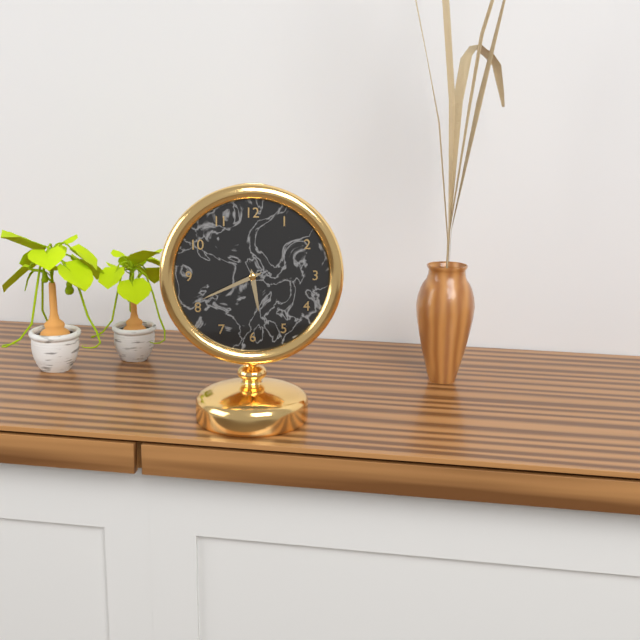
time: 5:41
